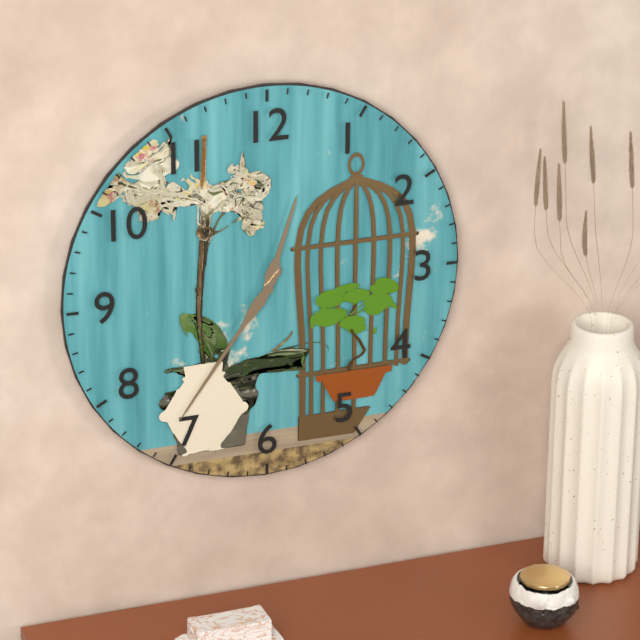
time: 12:36
